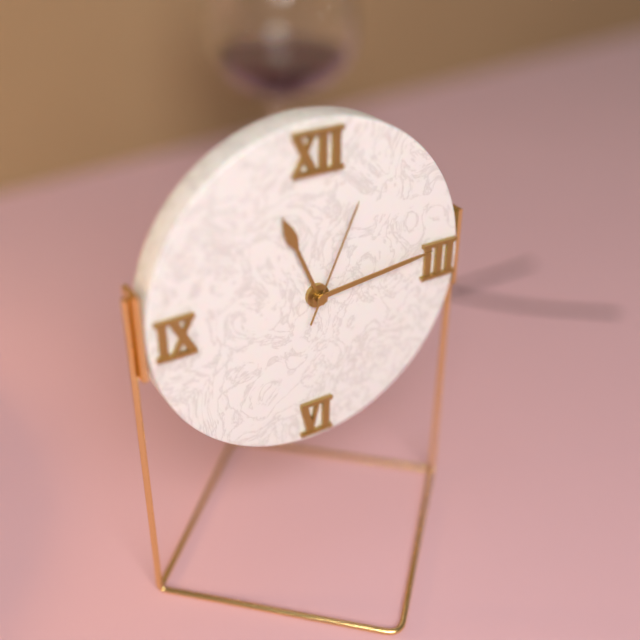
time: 11:14:04
